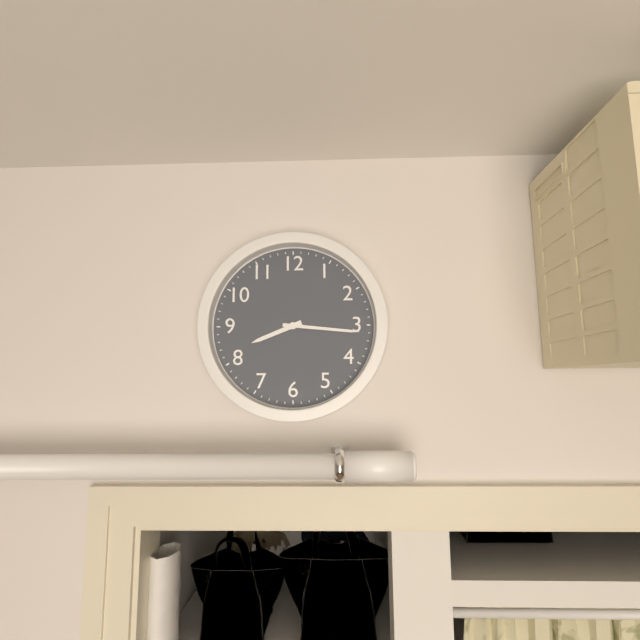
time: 8:16
